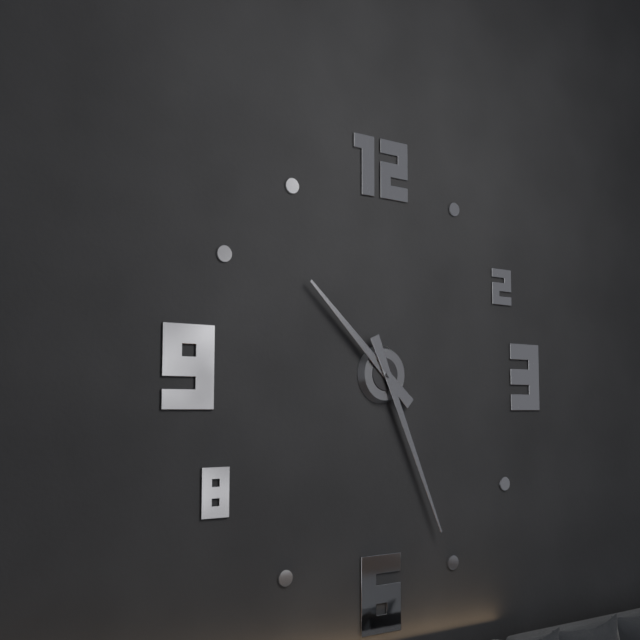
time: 10:26
